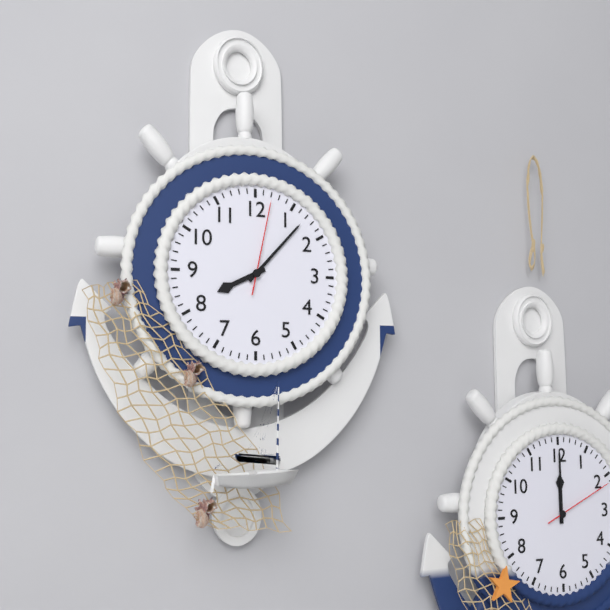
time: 8:07:02
